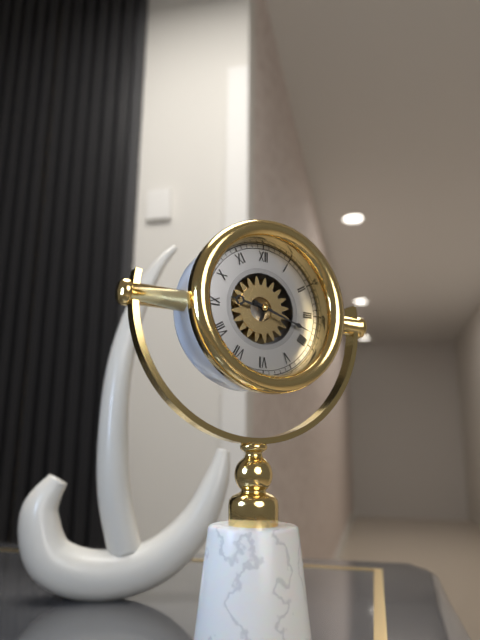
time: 9:18
